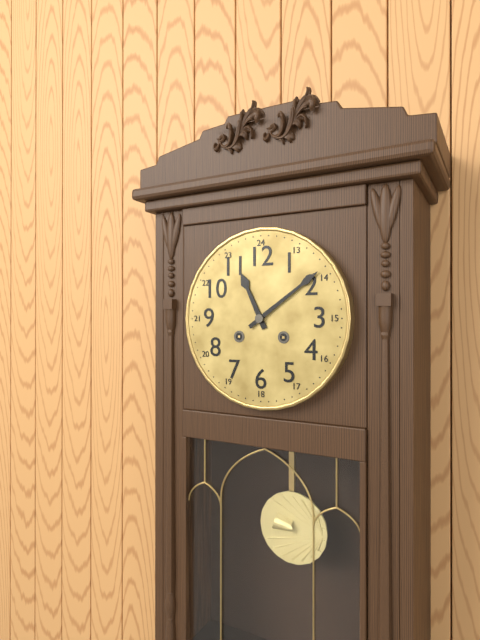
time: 11:09
